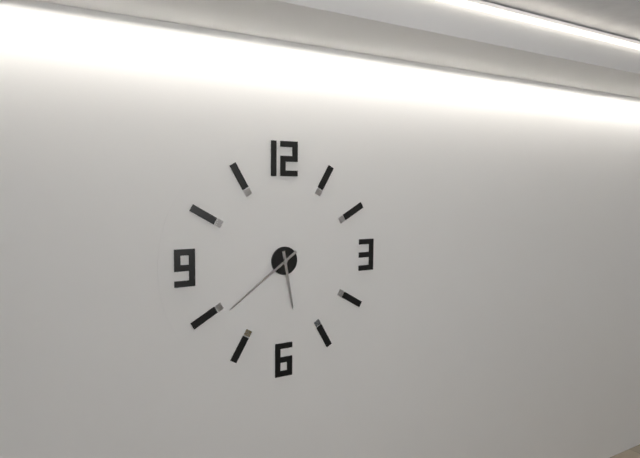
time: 5:39
